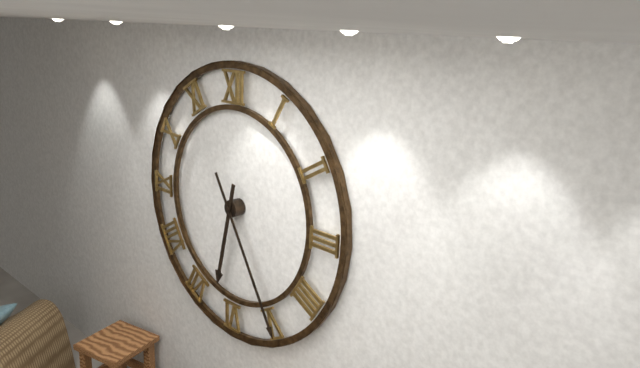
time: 6:25
